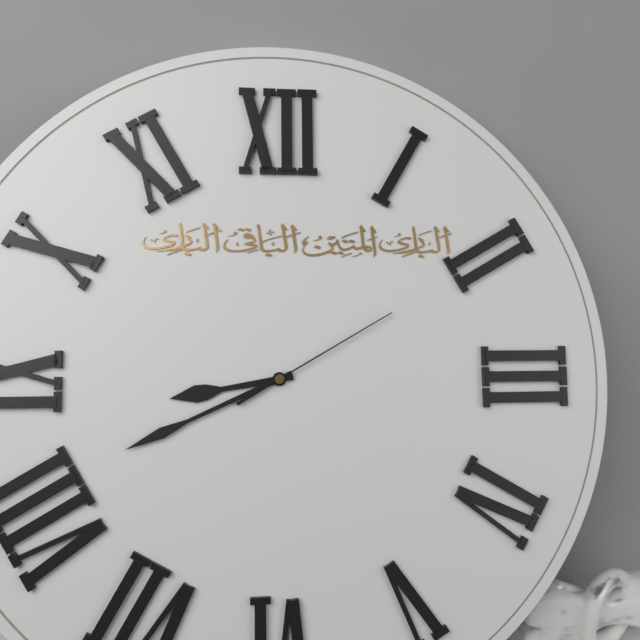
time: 8:41:10
